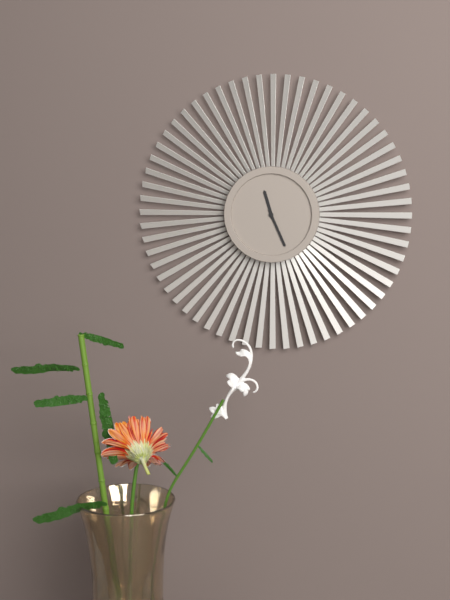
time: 11:26
